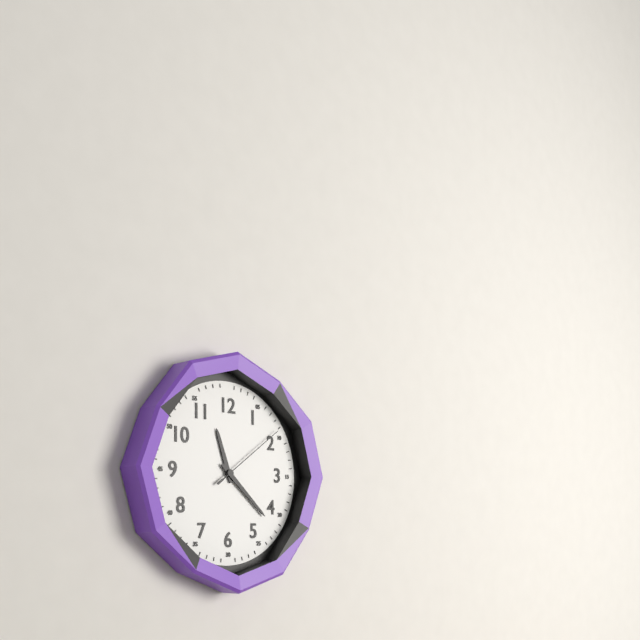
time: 11:22:09
